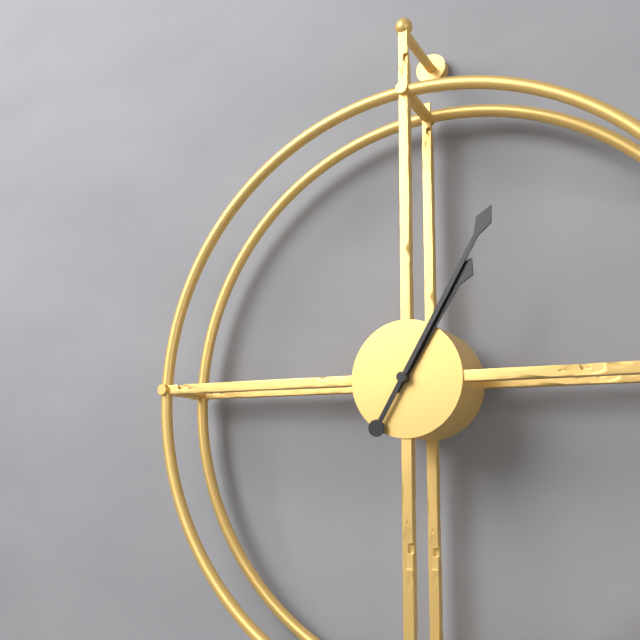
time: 1:05
